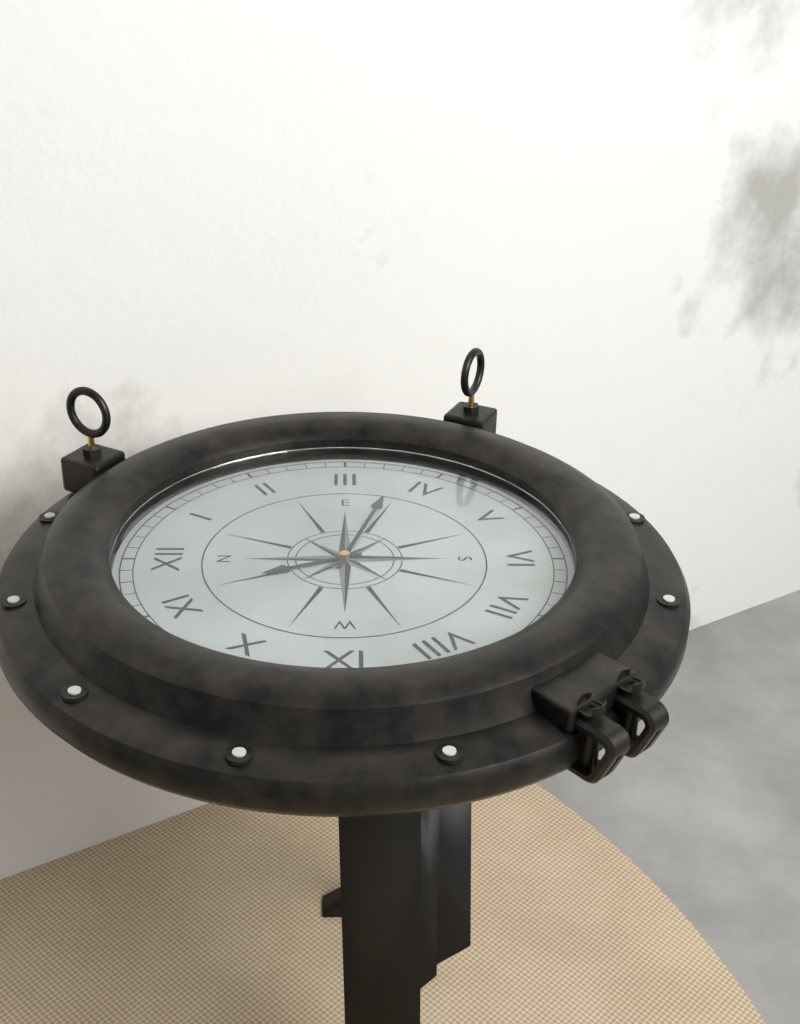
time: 11:18
